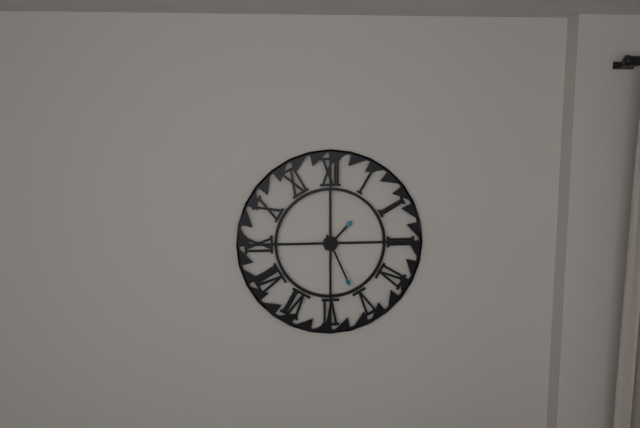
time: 1:26
